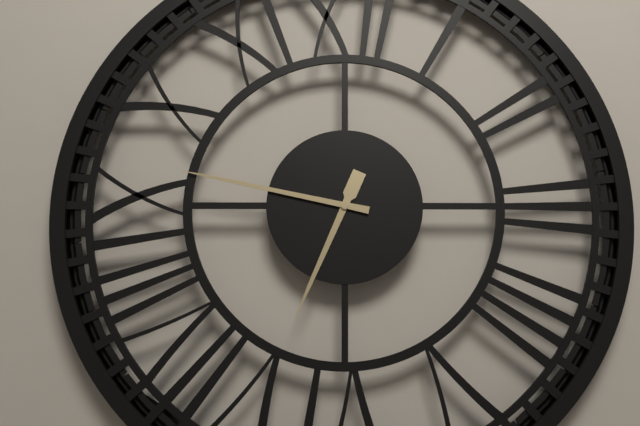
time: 6:47
